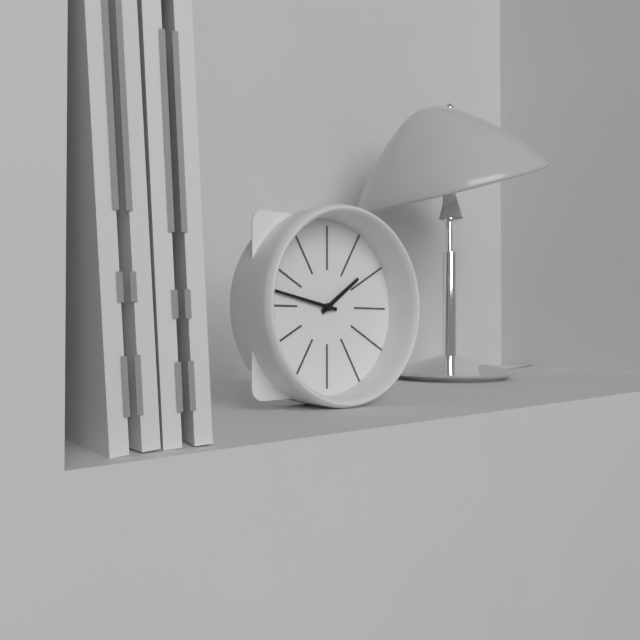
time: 1:47
